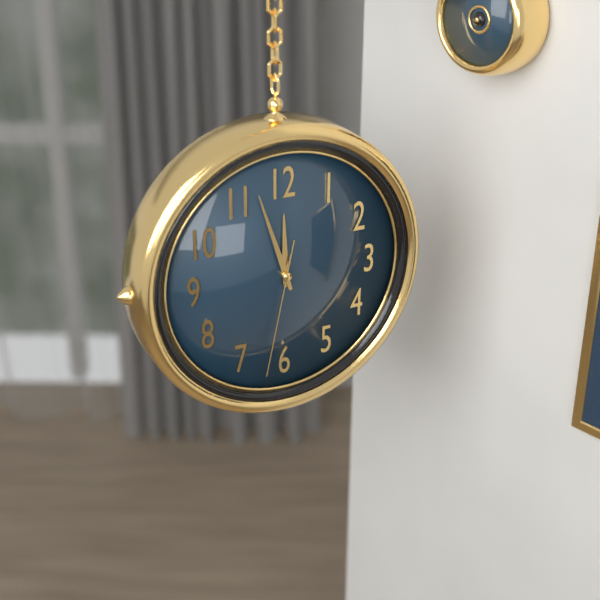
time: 11:57:32
